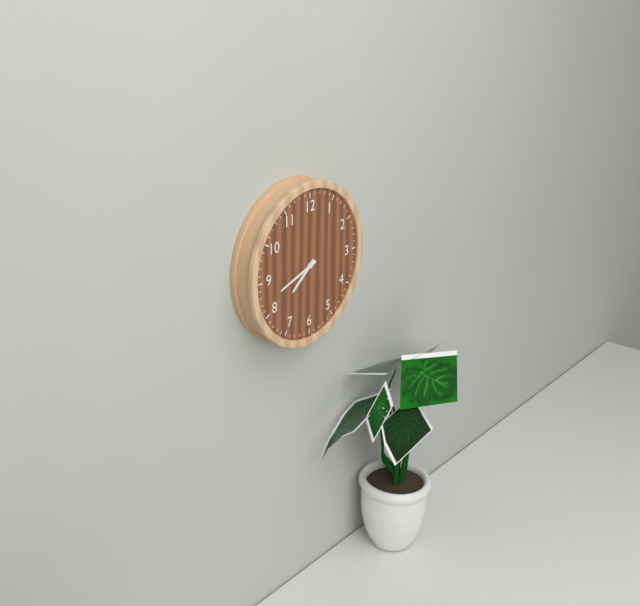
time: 7:42
